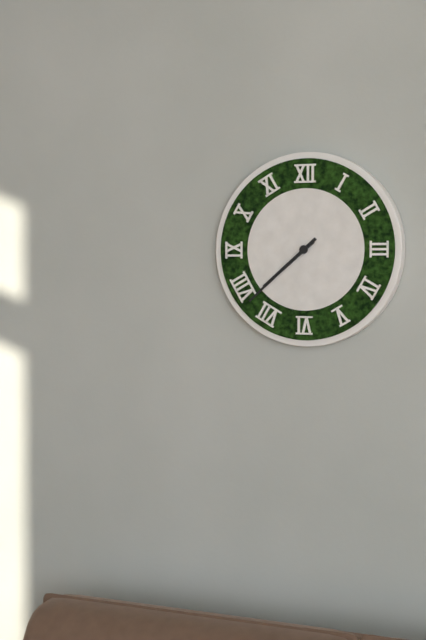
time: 7:38
